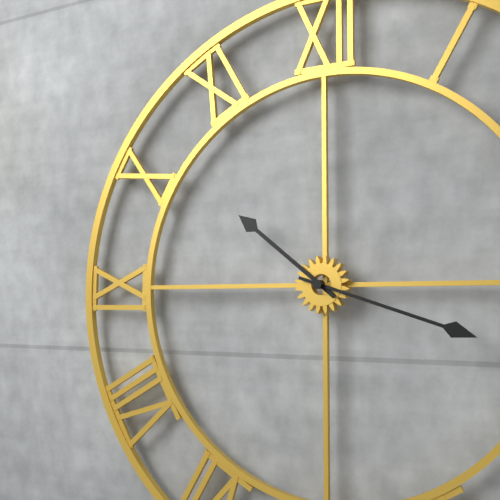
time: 10:18
